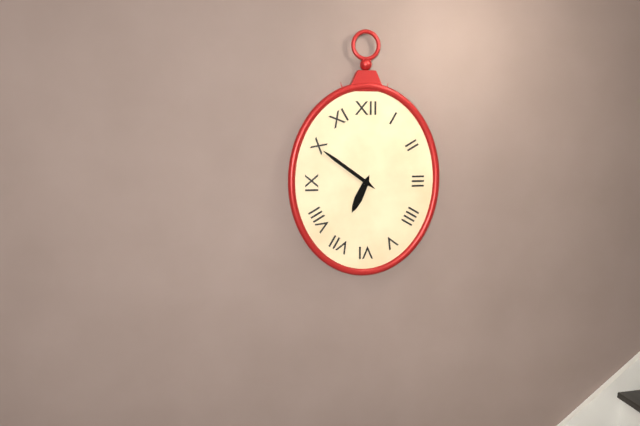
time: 6:51
